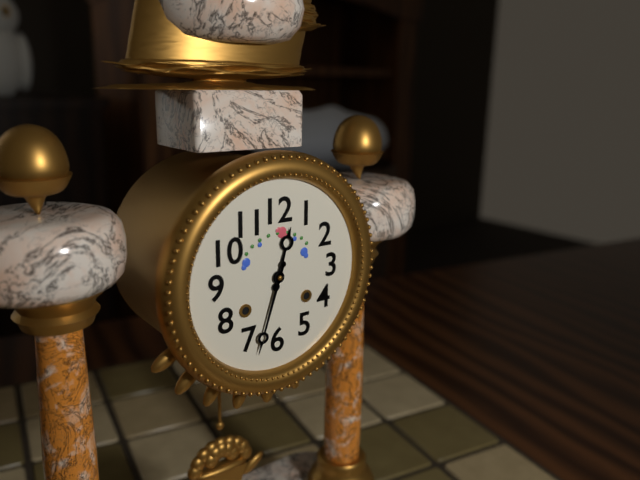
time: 12:33
